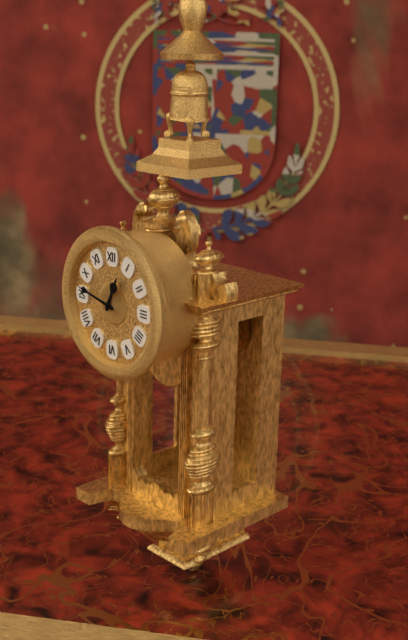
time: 12:47
